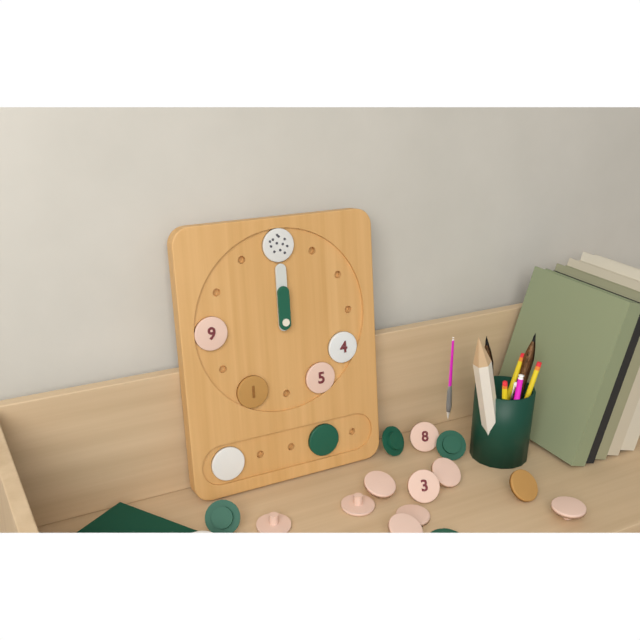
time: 12:00
